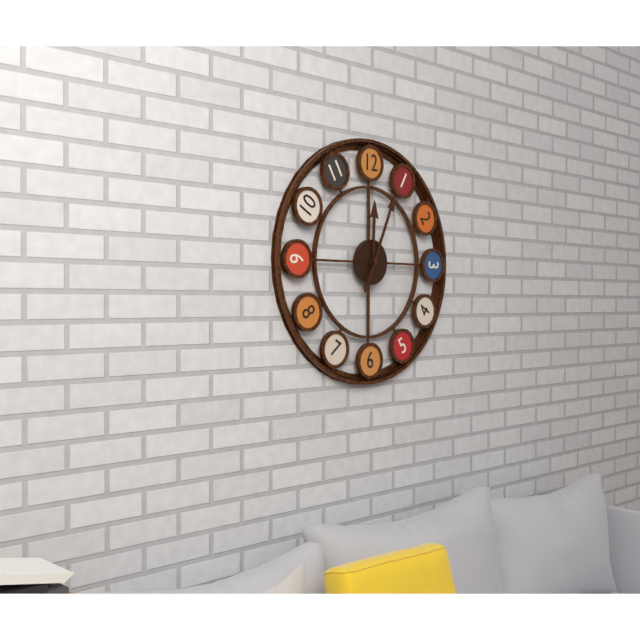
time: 12:04
